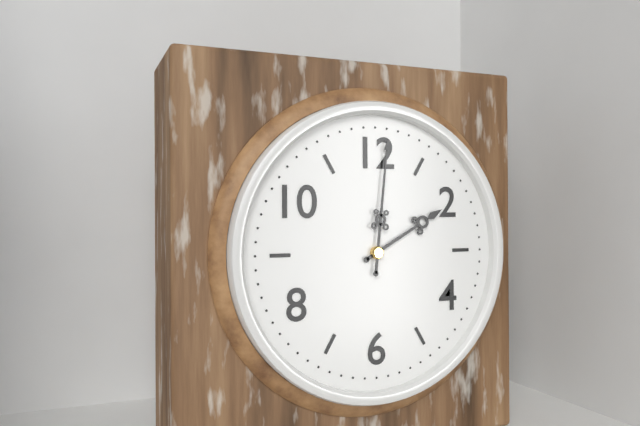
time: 2:01
